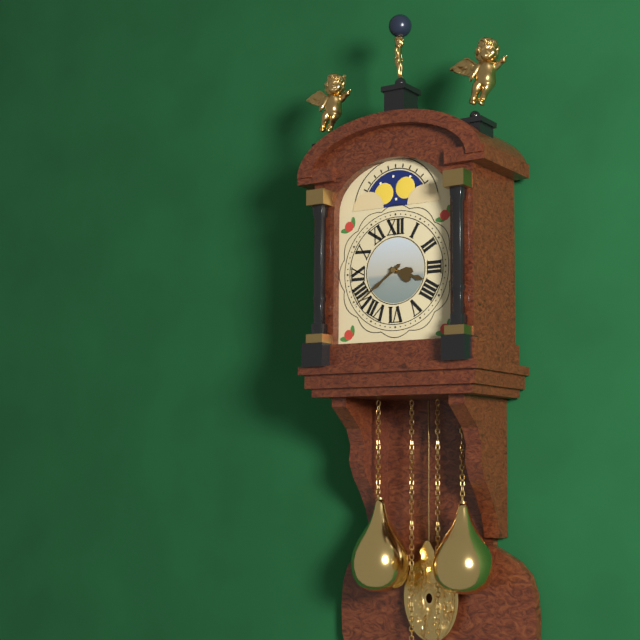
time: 3:39
